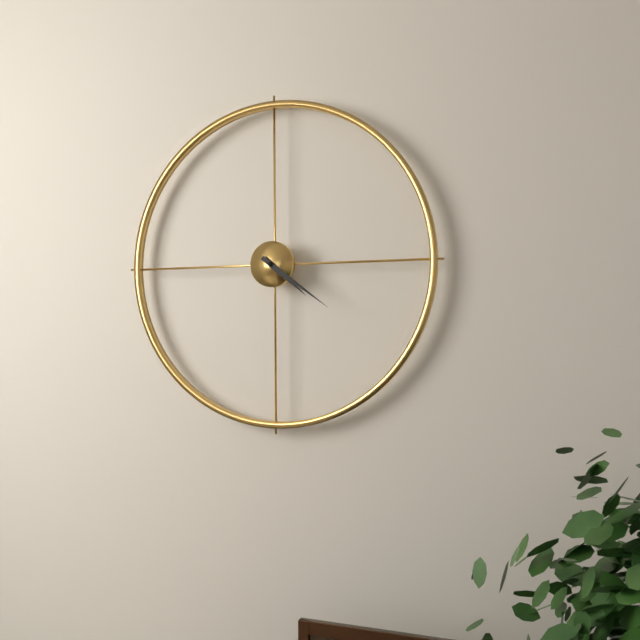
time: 4:21
